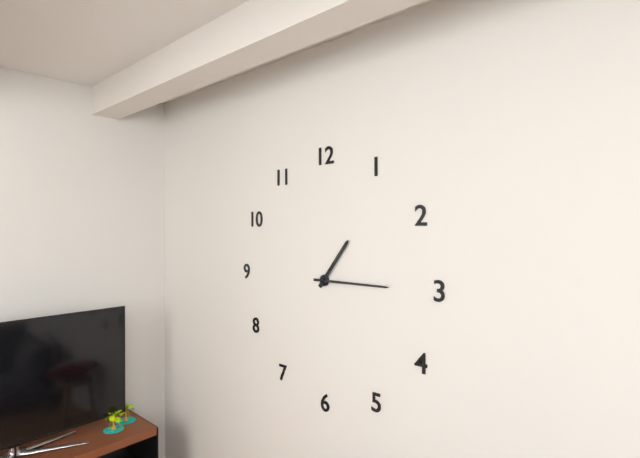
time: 1:15
